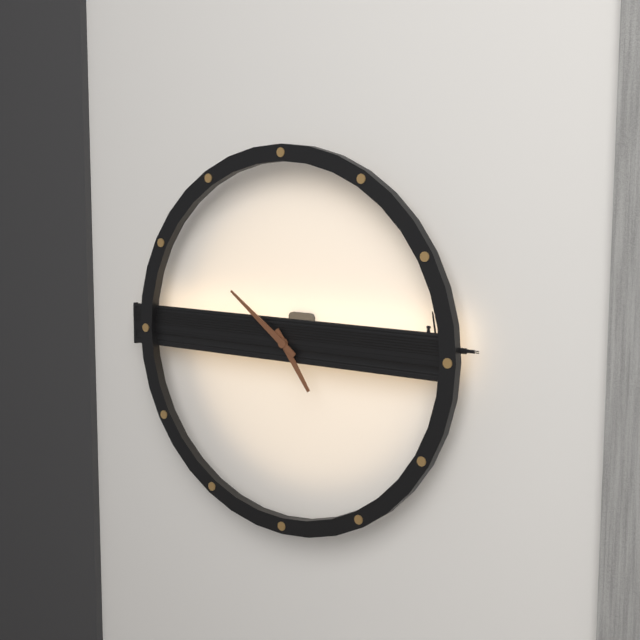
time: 4:51
